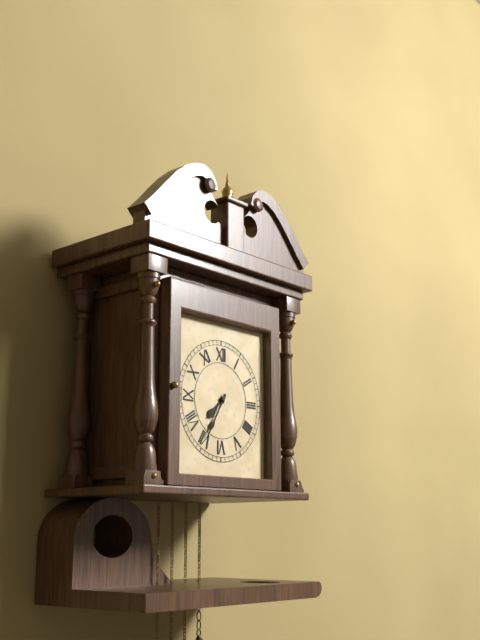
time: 7:35
